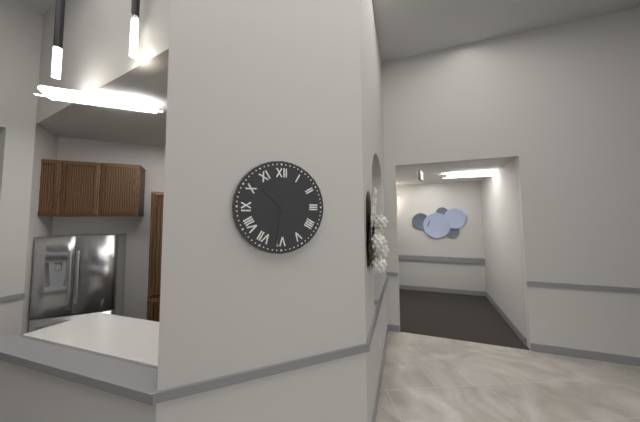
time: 10:31
